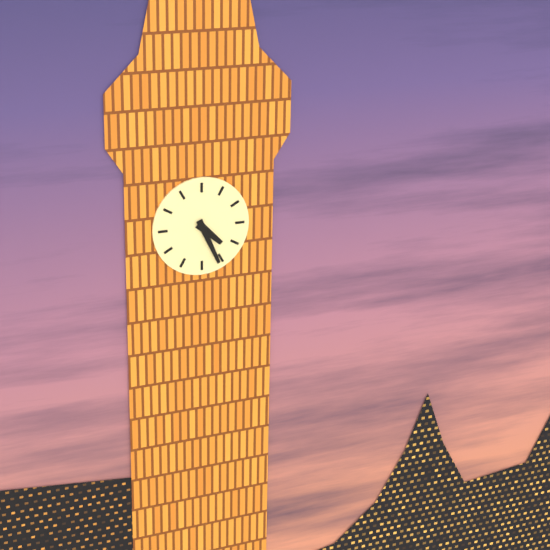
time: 4:26
